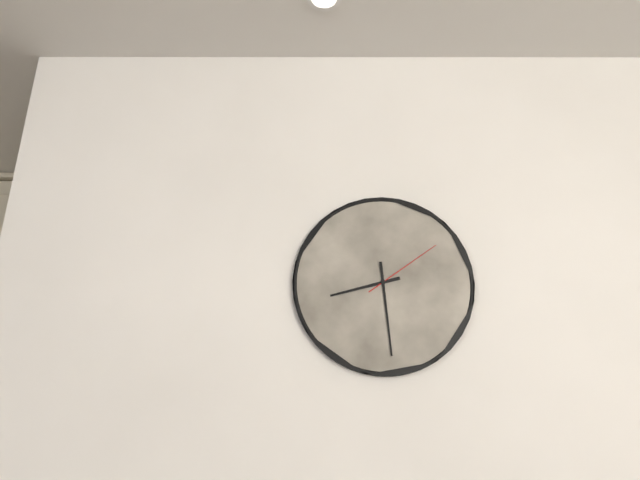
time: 8:29:09
